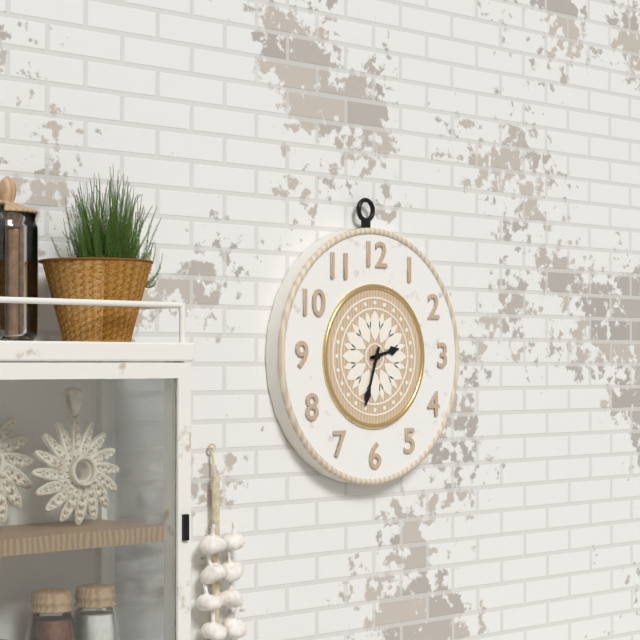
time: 2:33
